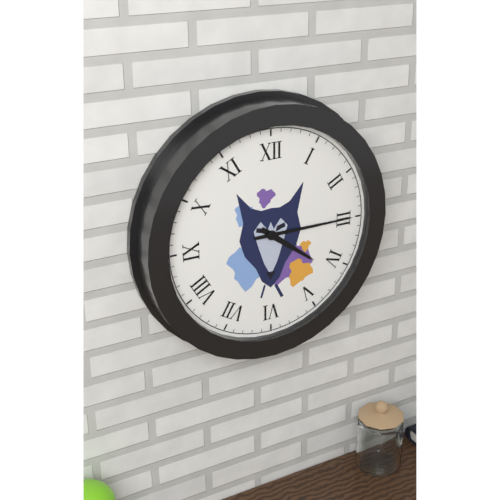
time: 4:15
